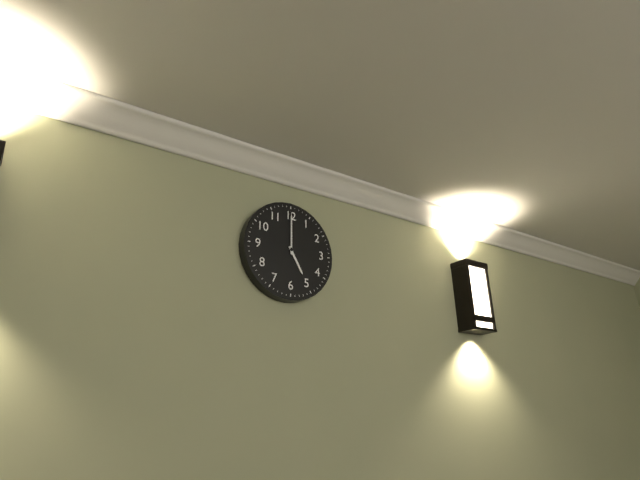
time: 5:00
